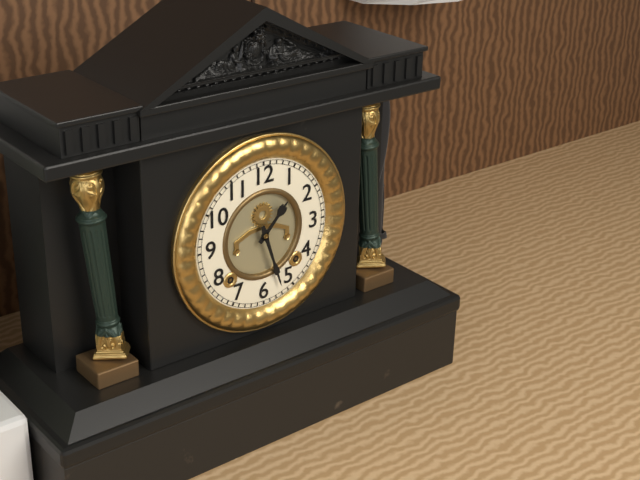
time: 1:27
